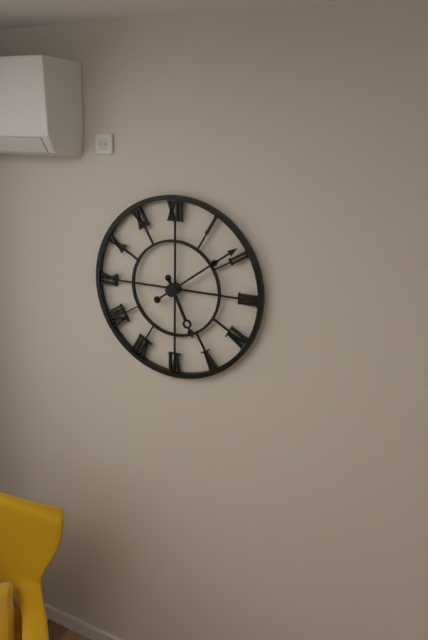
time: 5:09
